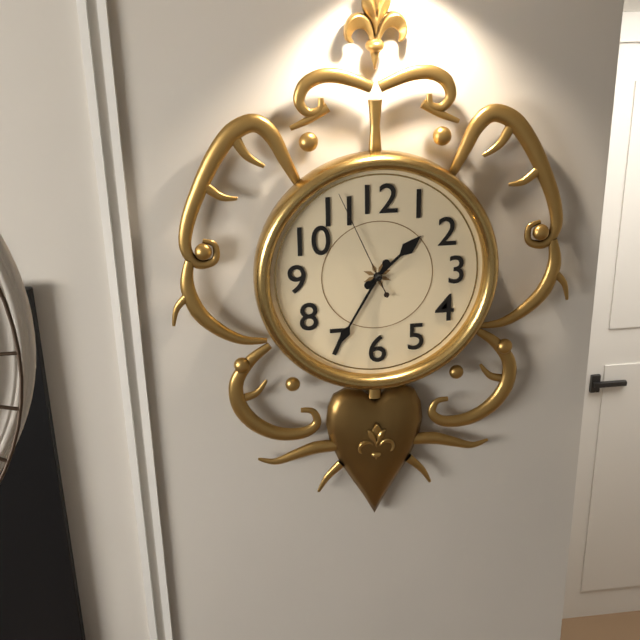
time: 1:35:56
